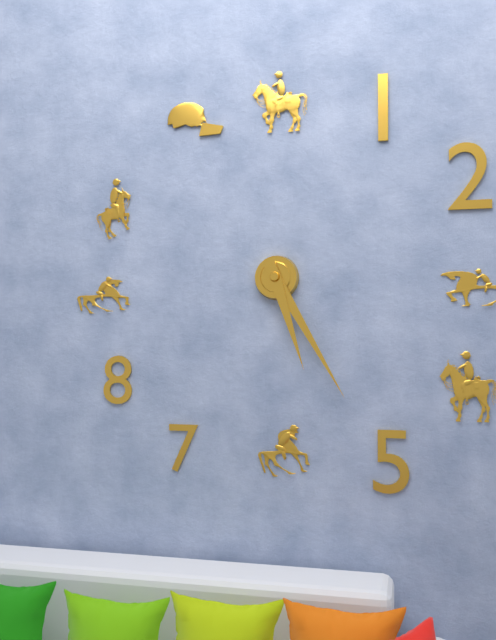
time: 5:25
